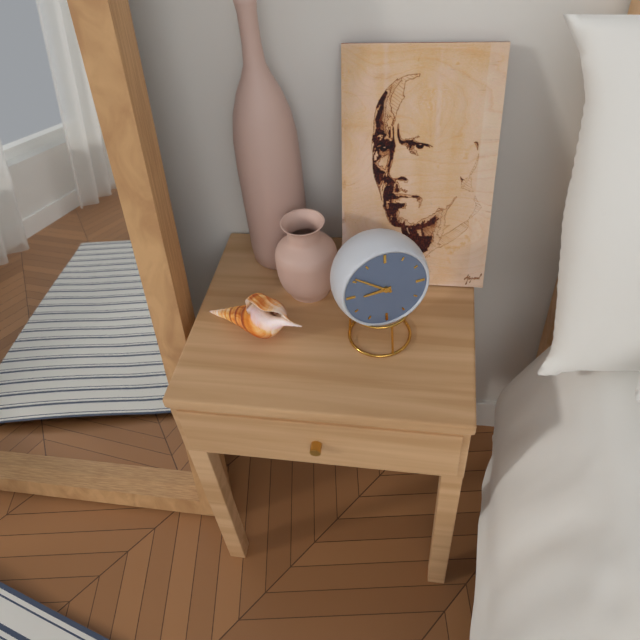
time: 8:51
